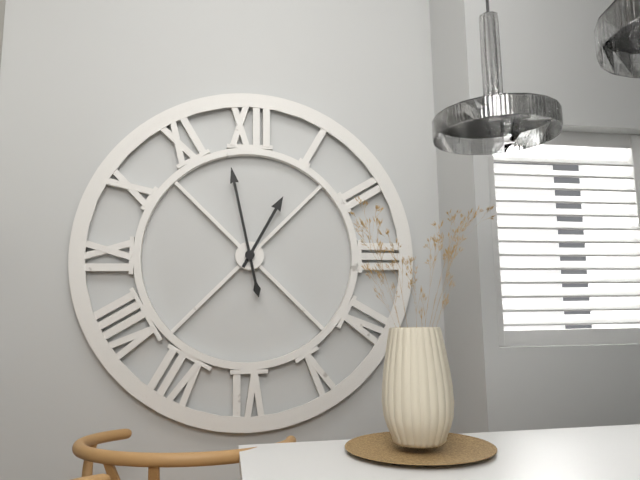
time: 12:58
